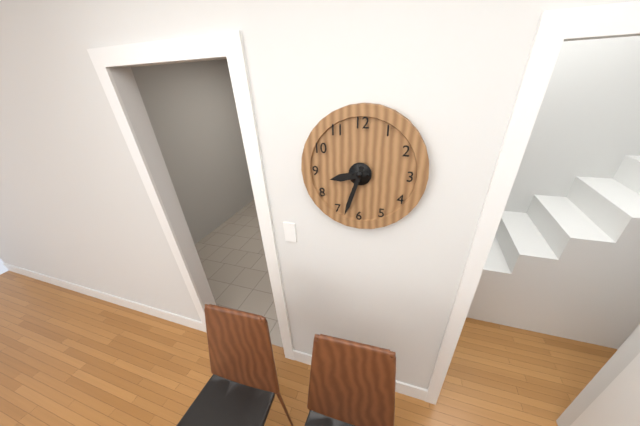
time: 8:33
